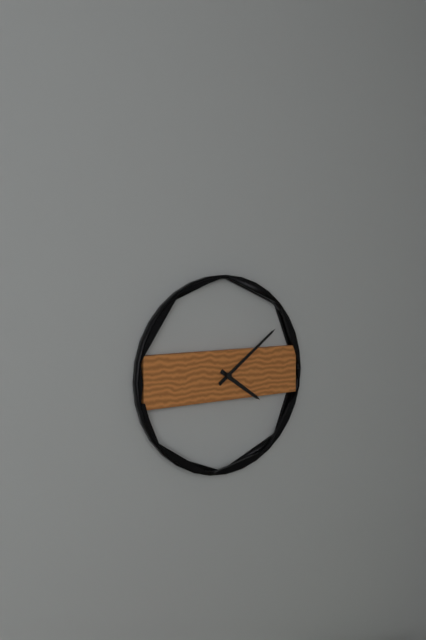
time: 4:09
